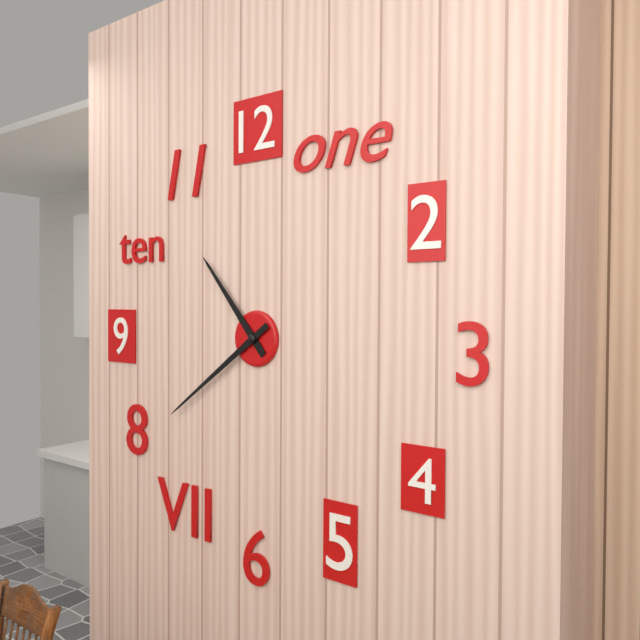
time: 10:39
